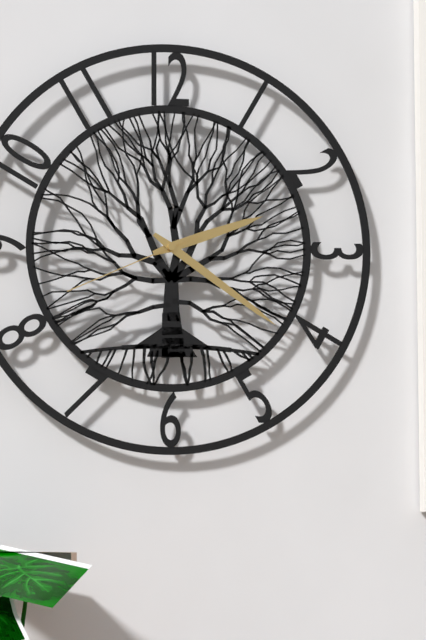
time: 2:21:41
